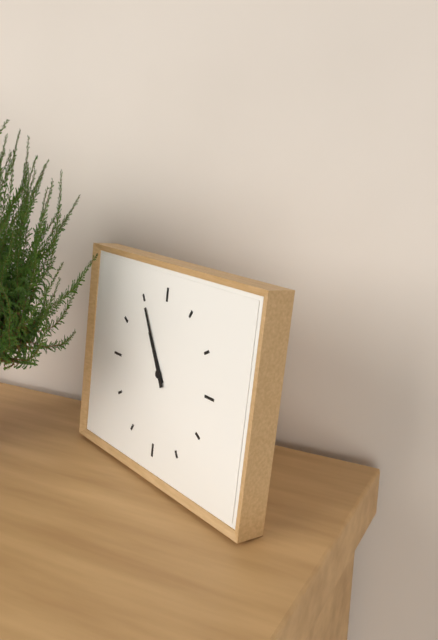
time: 10:55
